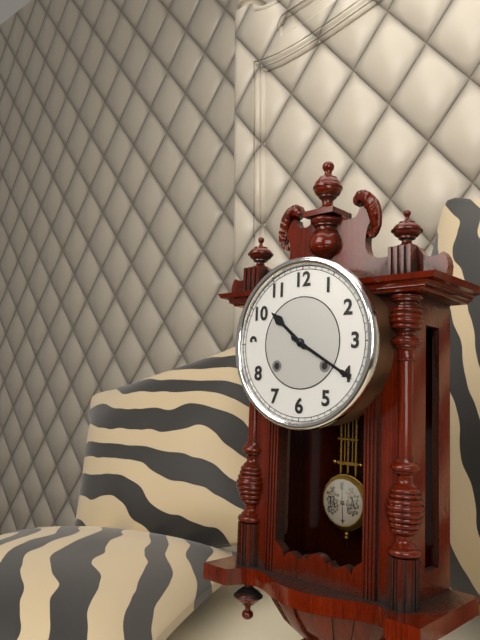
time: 10:20
